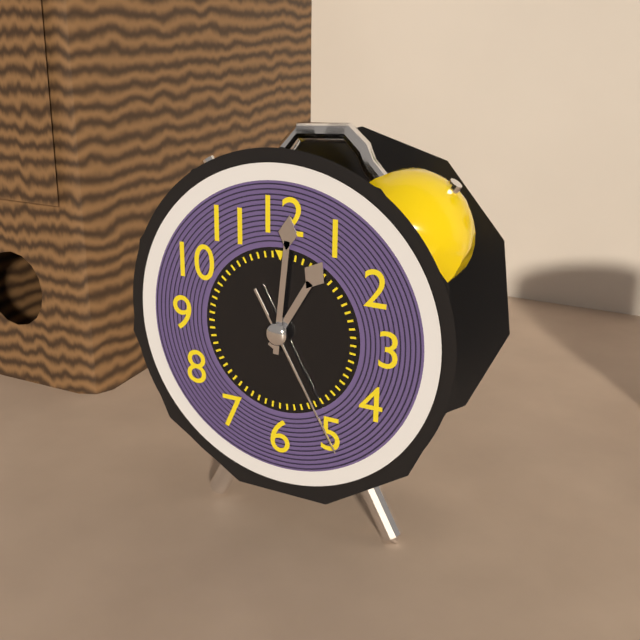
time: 1:01:25
